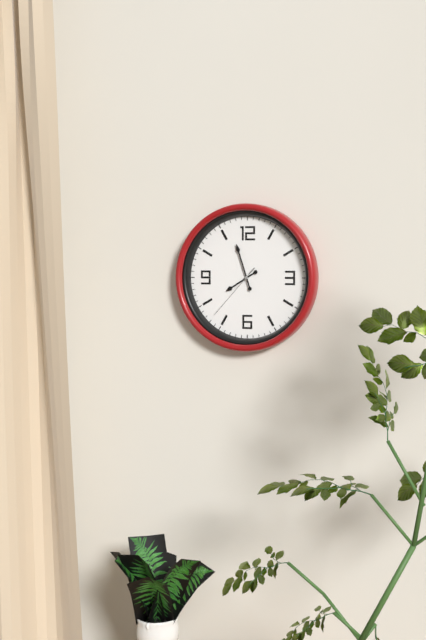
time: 7:57:37
